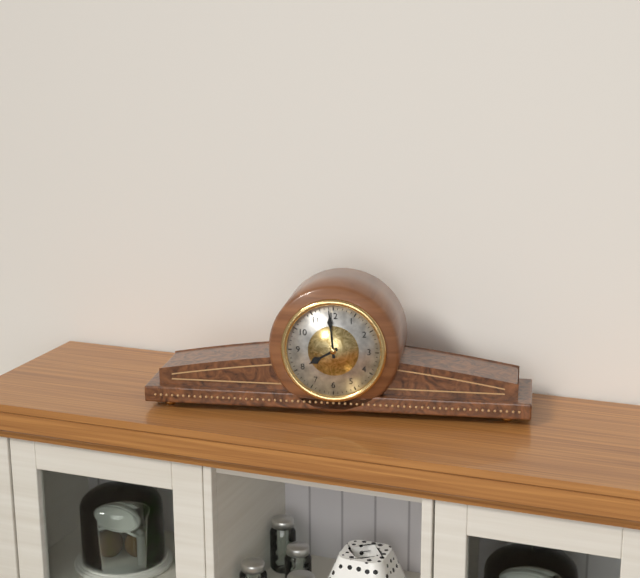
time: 7:59
